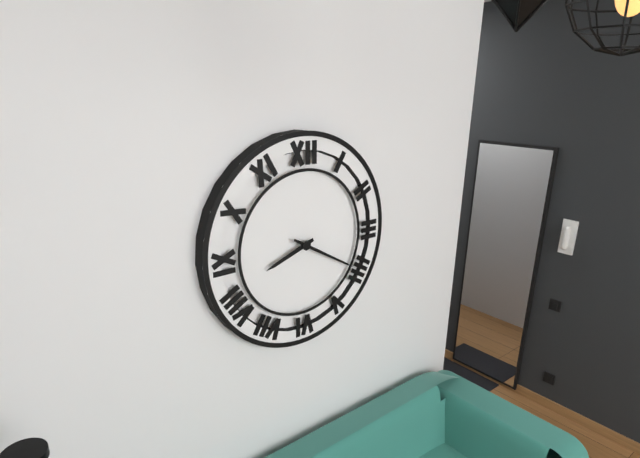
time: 8:20
